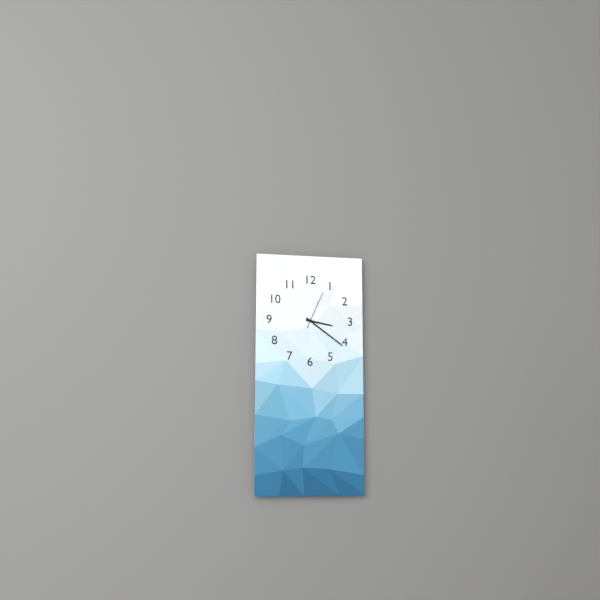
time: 3:21
